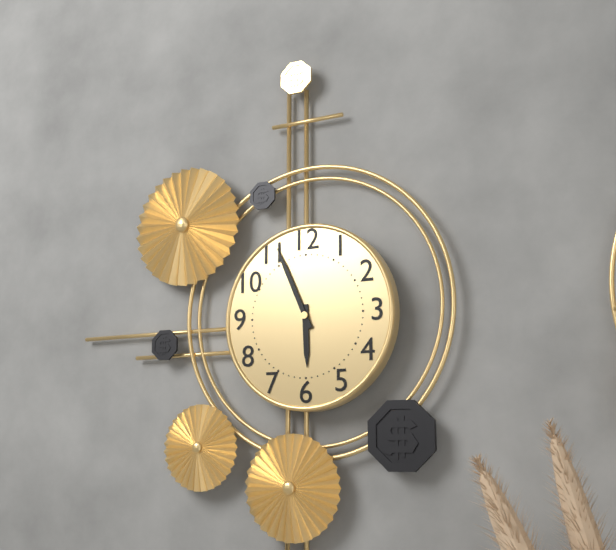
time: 5:56
